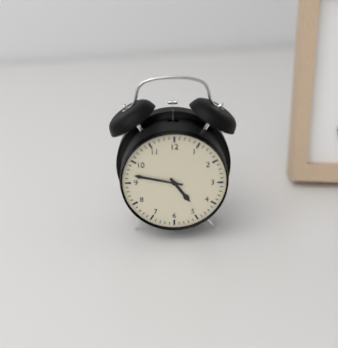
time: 4:47
